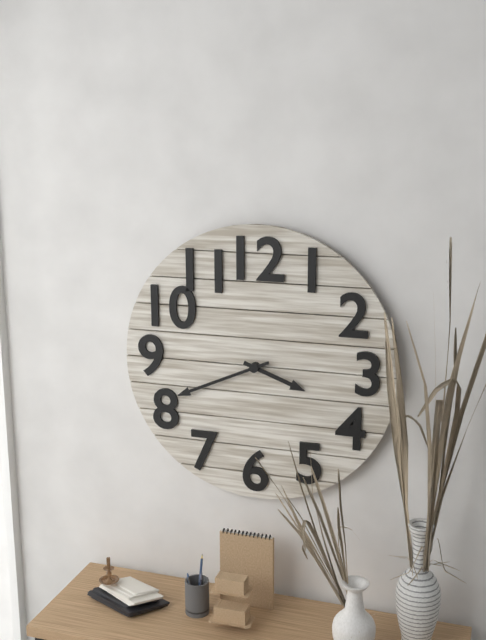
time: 3:41
